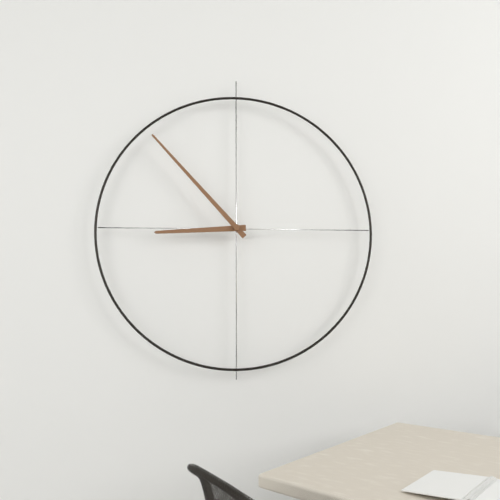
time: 8:53
